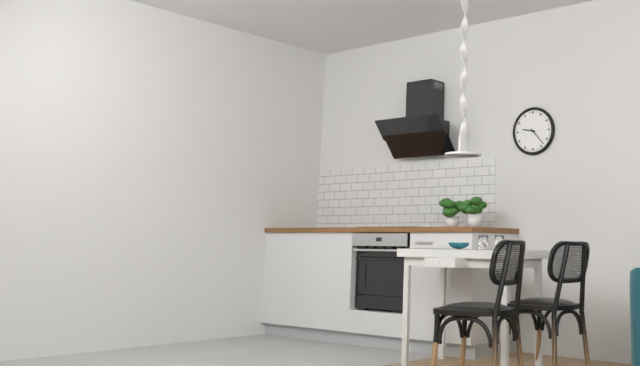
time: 9:23
